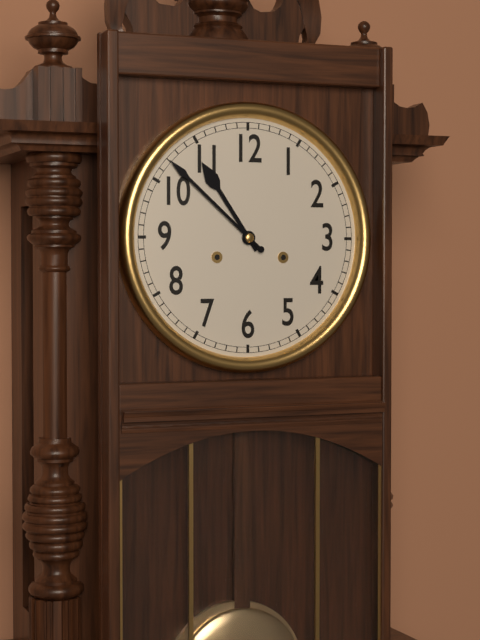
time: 10:52
